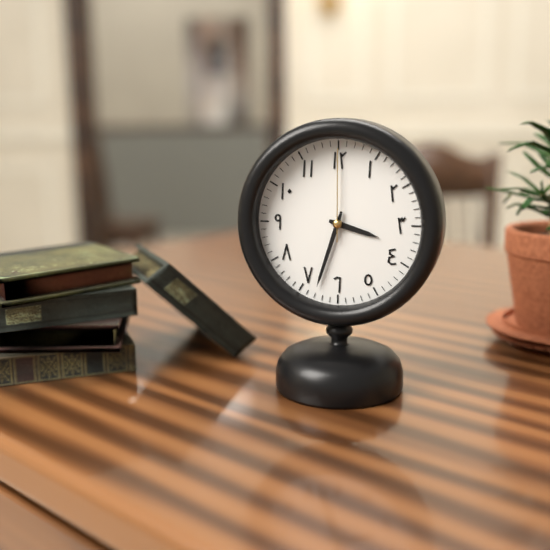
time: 3:33:00
